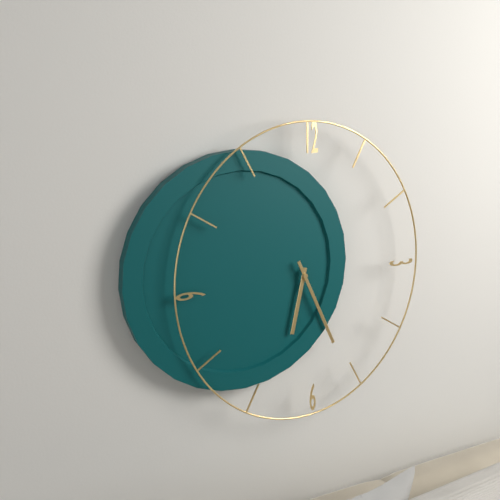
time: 6:26
